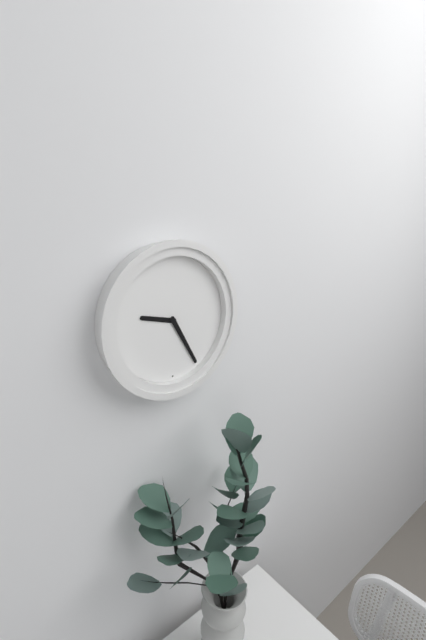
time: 9:25
